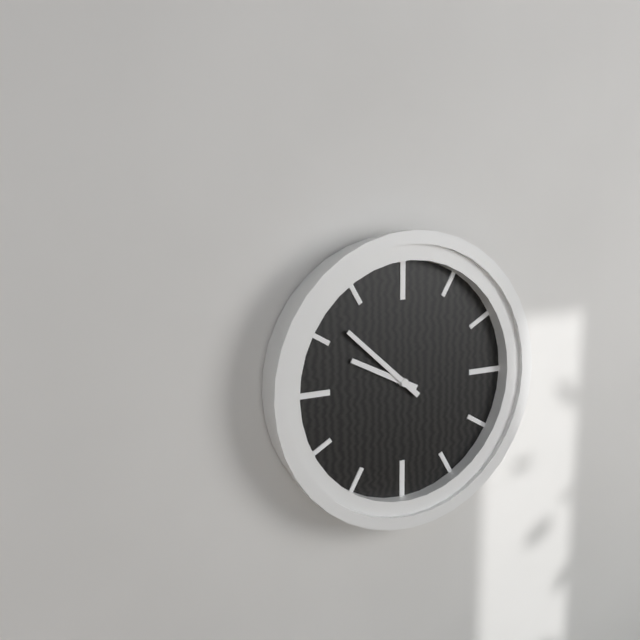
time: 9:52
